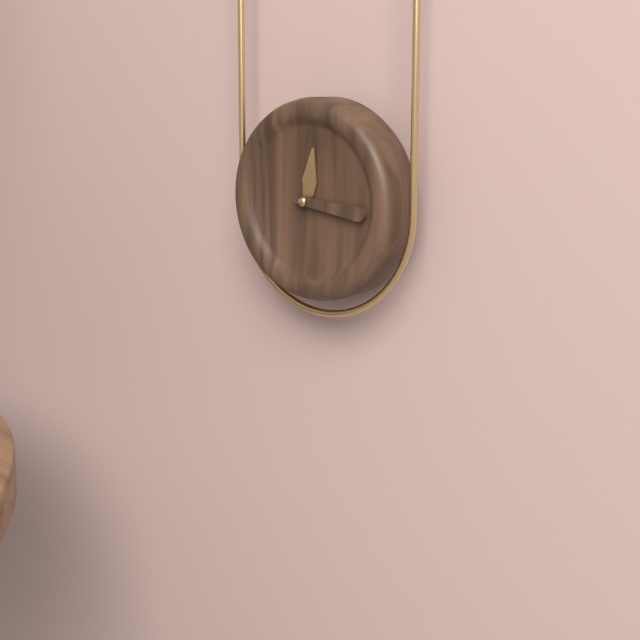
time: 12:16
